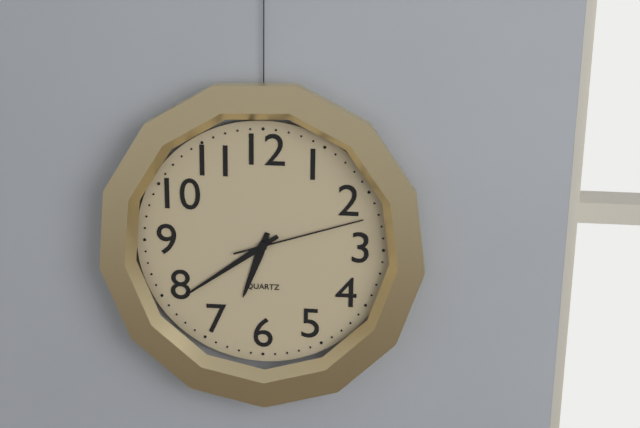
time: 6:39:12
